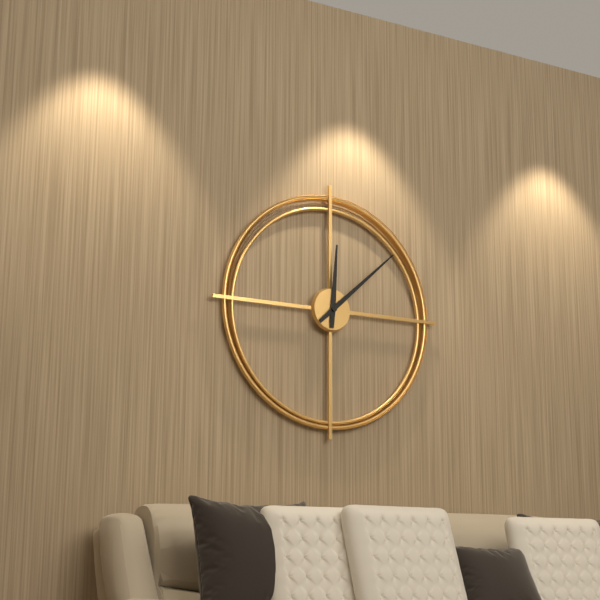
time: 12:08
